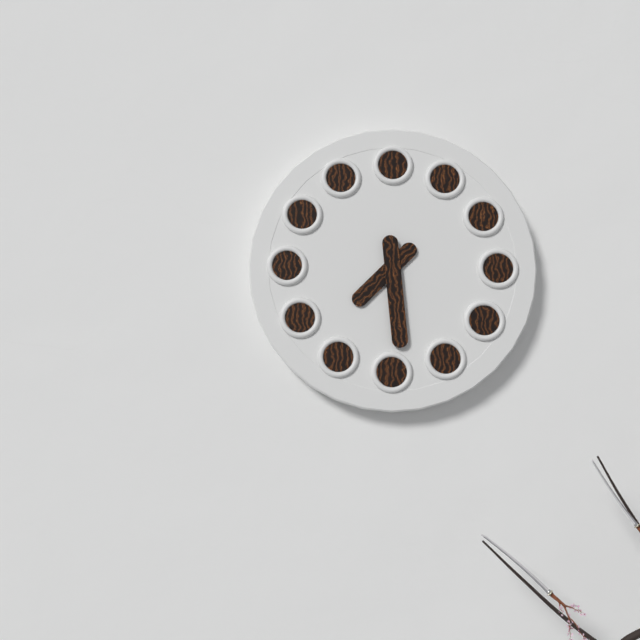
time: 7:29
